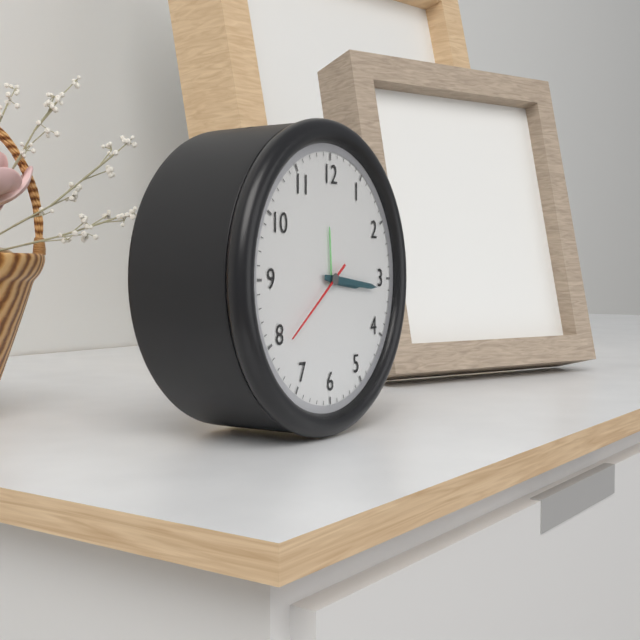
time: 3:16:39
